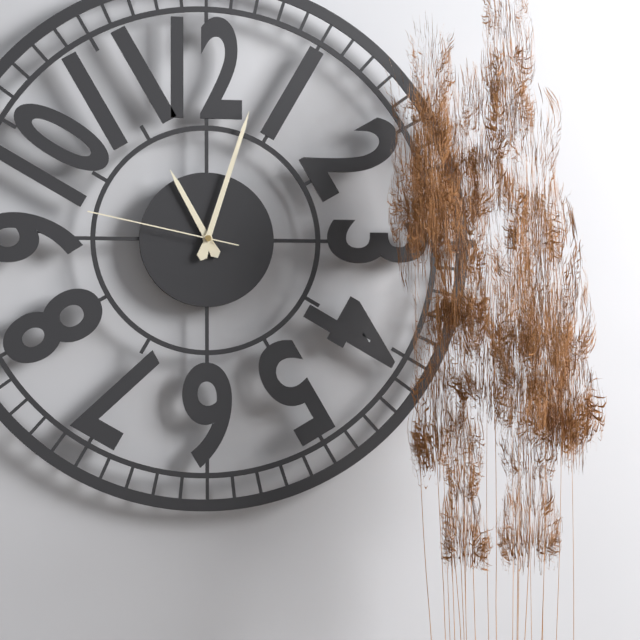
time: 11:03:47
